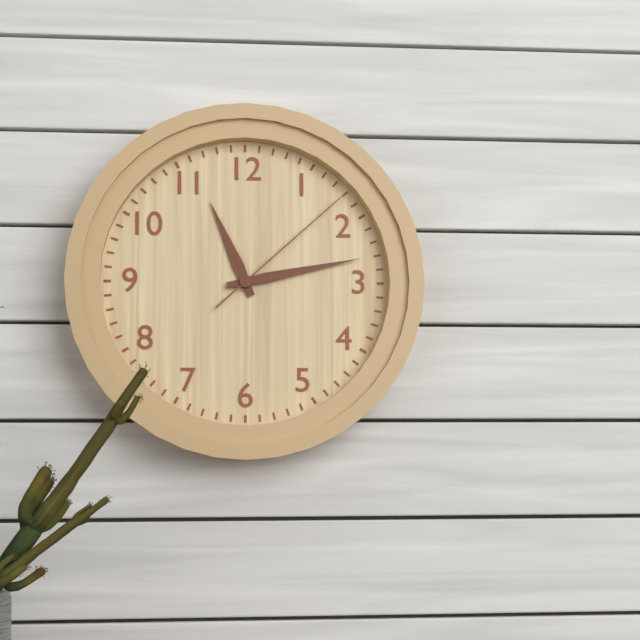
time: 11:13:08
